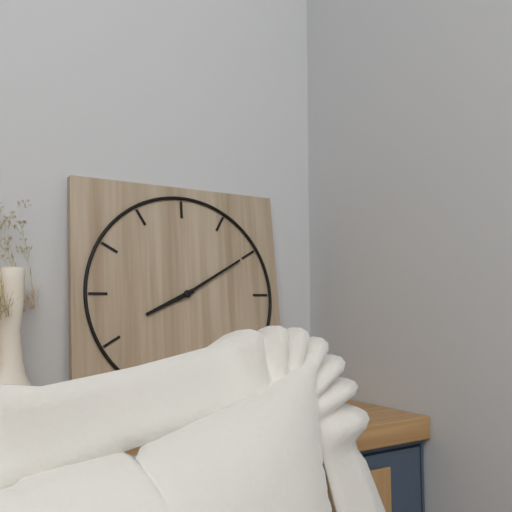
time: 8:10
